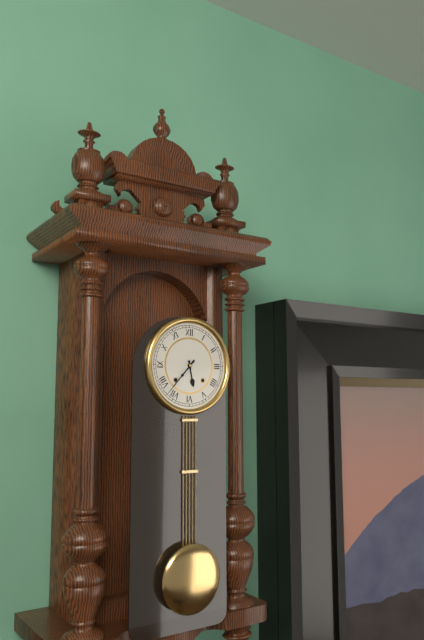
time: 5:37
